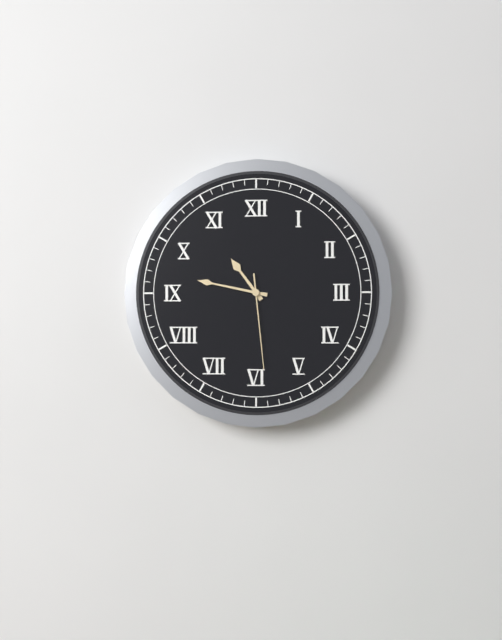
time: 10:47:29
